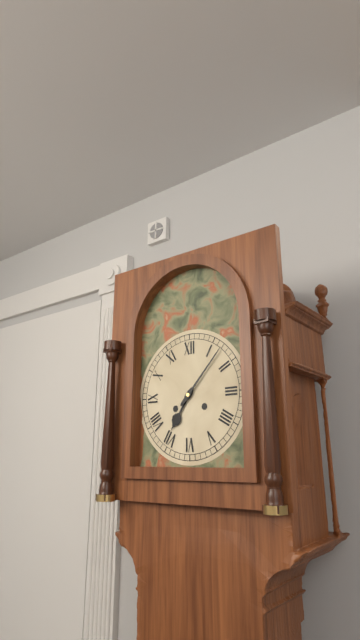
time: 7:07
